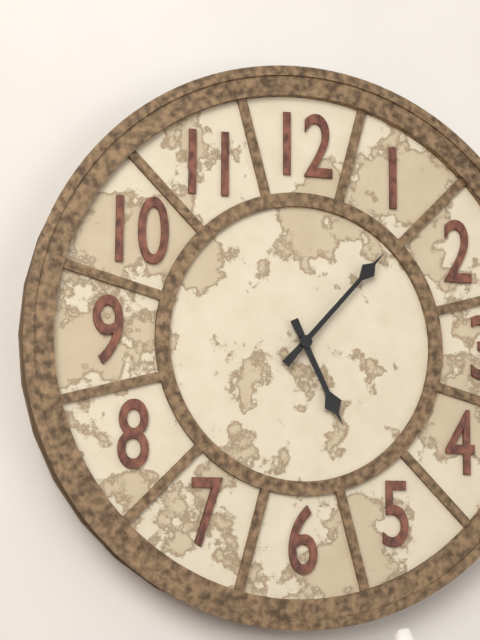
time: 5:07
